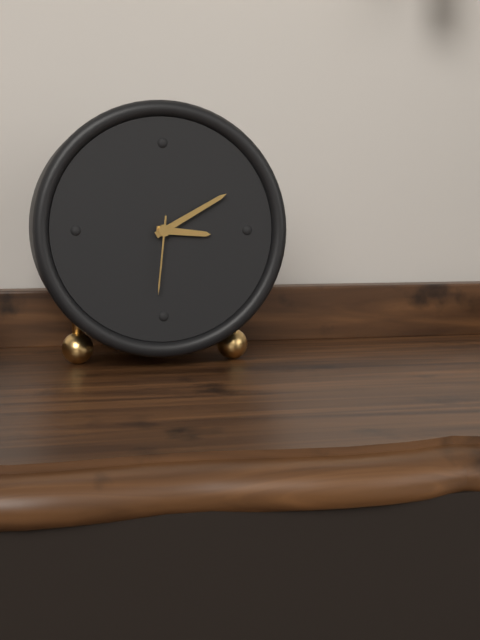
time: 3:10:31
